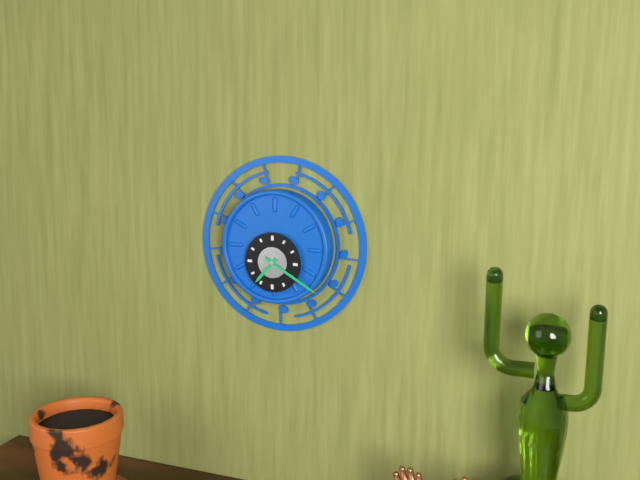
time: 7:20
